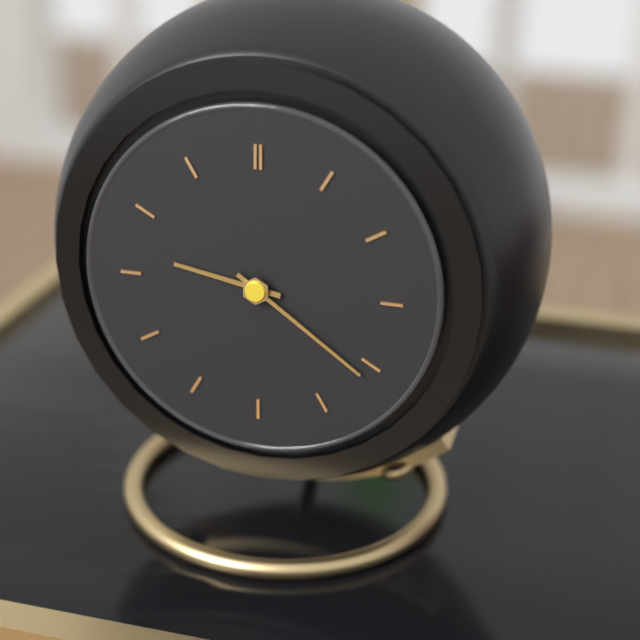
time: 9:21
